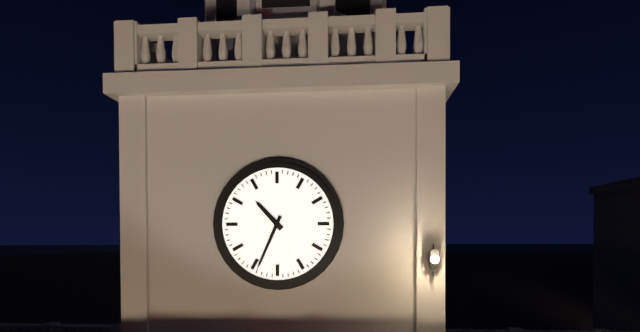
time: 10:34
